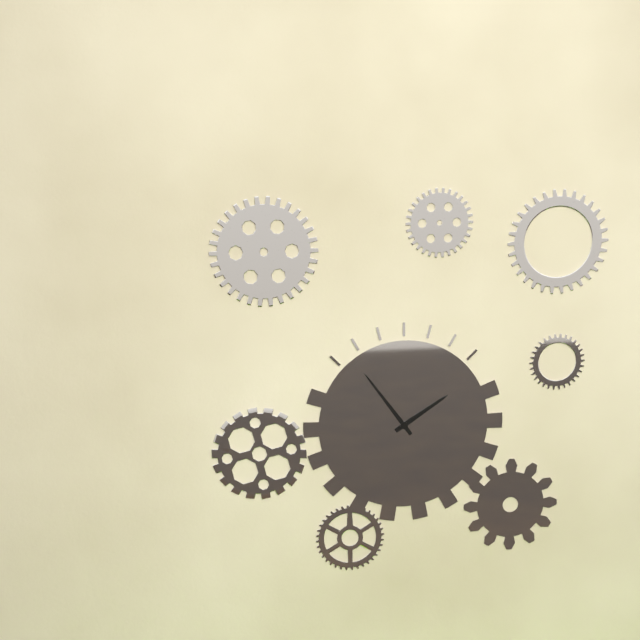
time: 1:54
